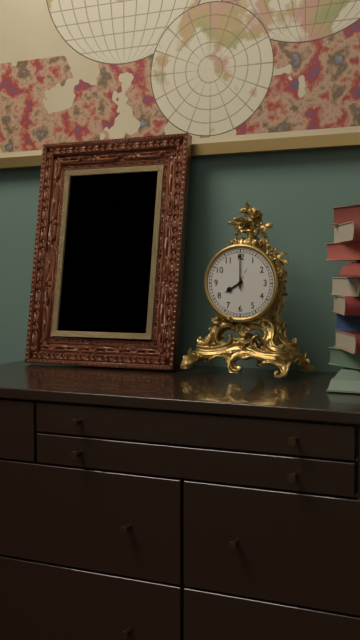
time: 8:00
